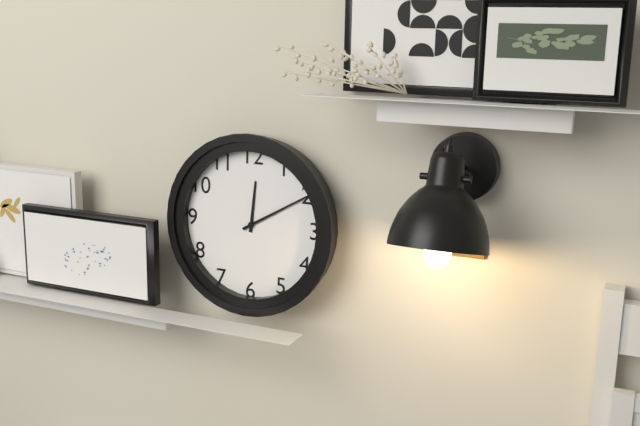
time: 12:10
